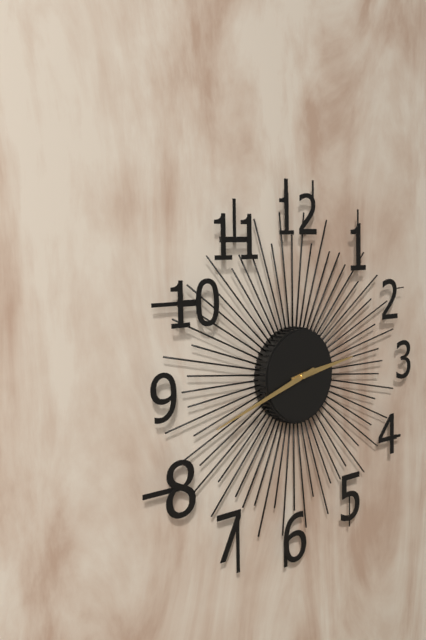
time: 2:42
